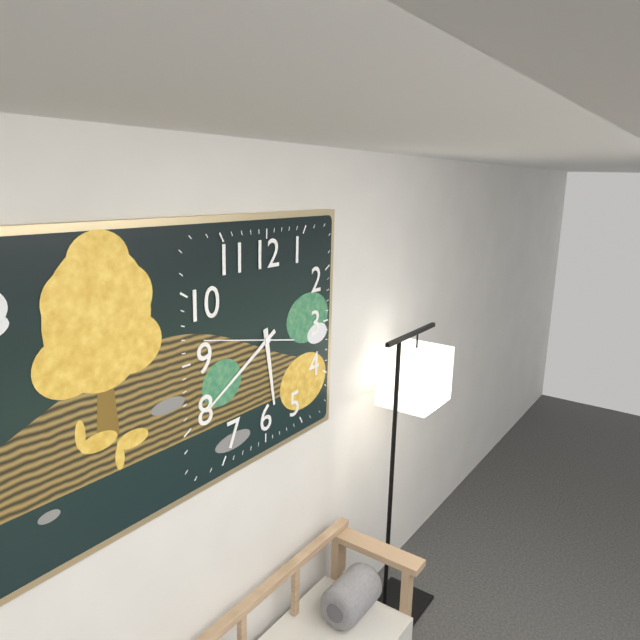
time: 5:40:47
